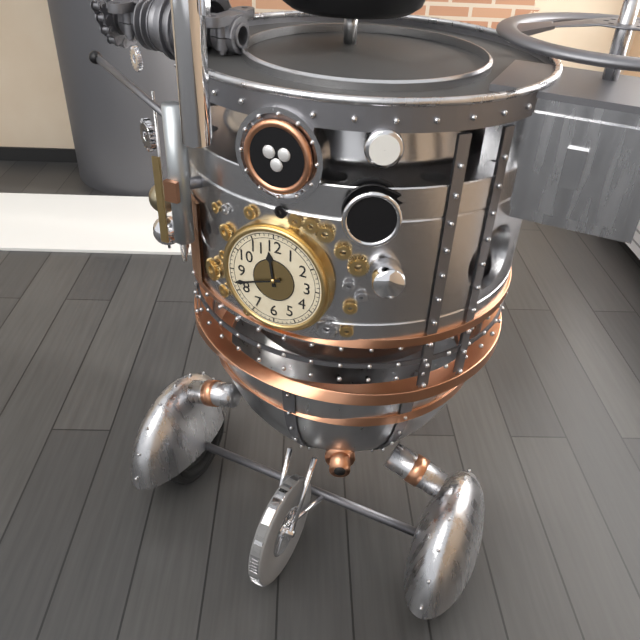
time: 11:42
